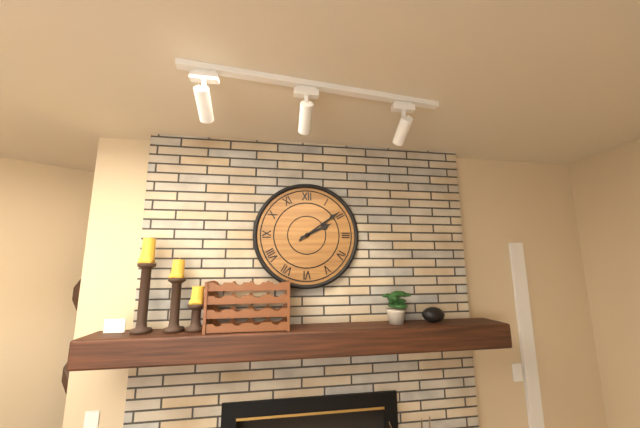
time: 2:09
